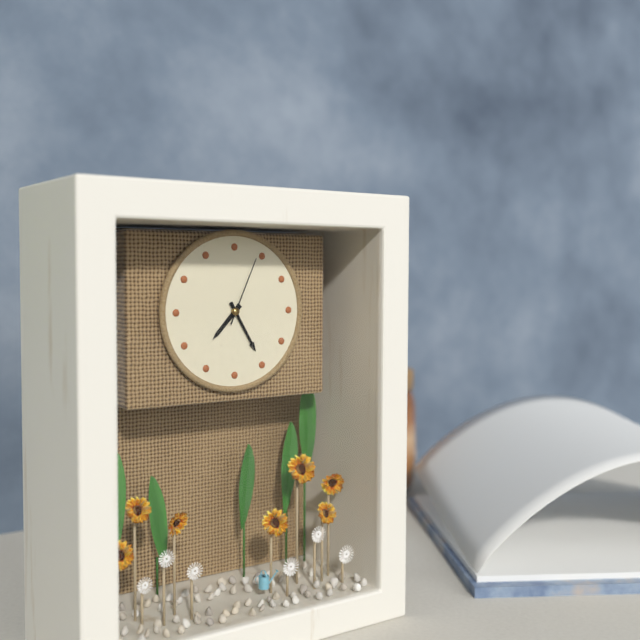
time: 7:25:04
